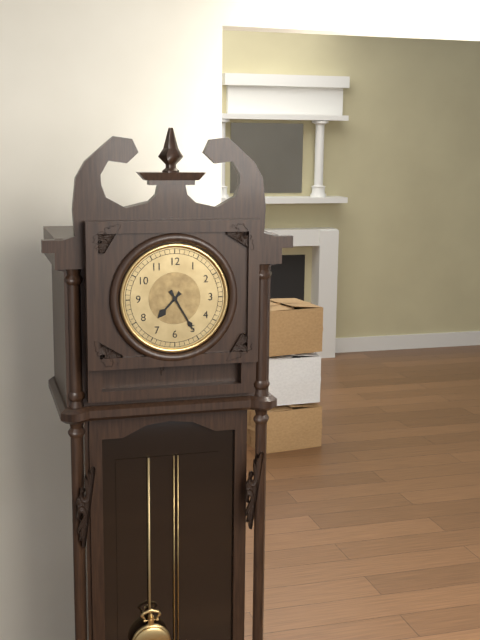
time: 7:25
